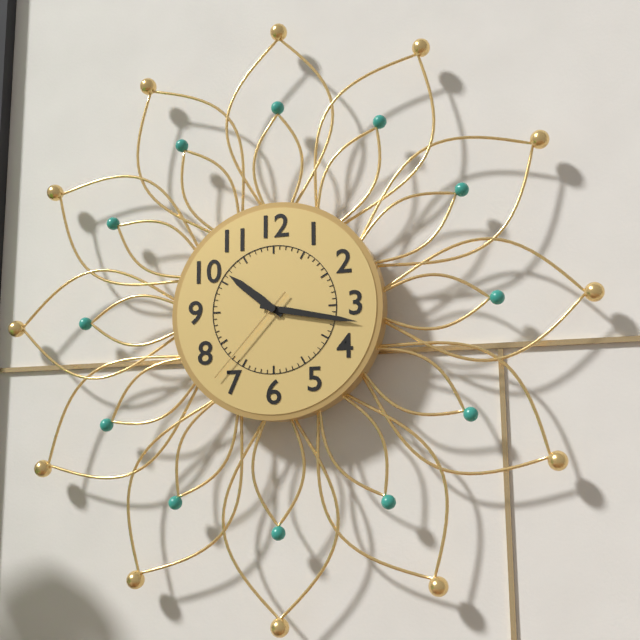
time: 10:17:37
